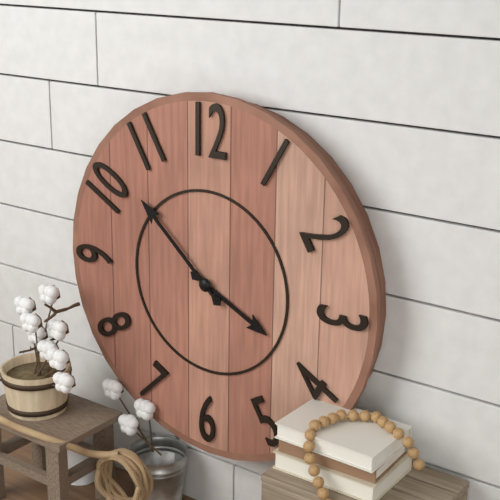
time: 3:52
